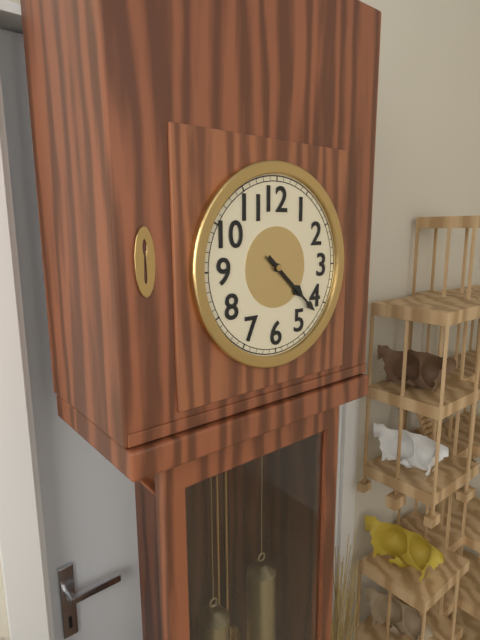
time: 4:22
